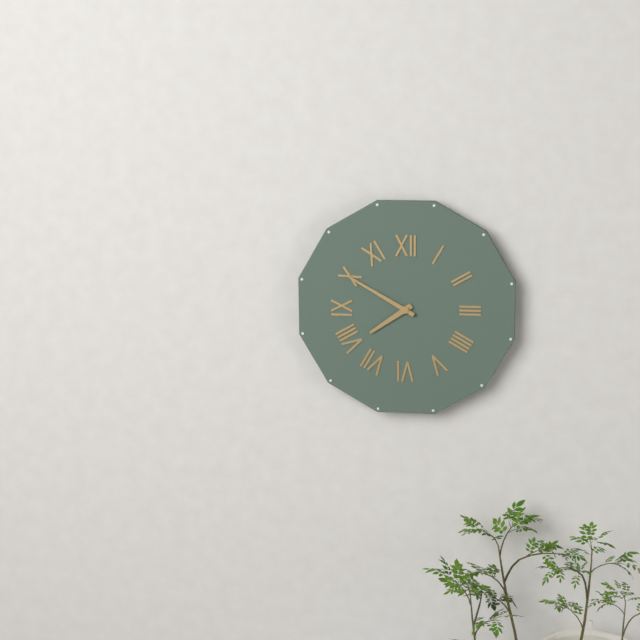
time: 7:50
